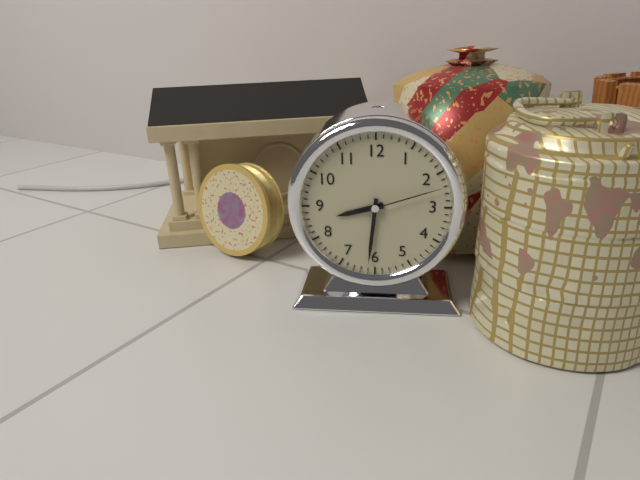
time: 8:31:12
